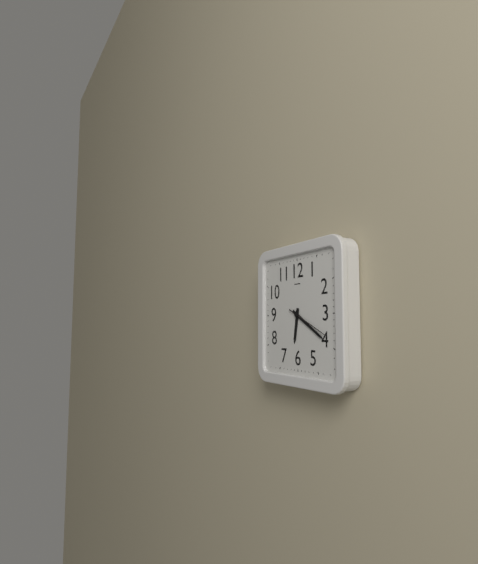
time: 6:20
